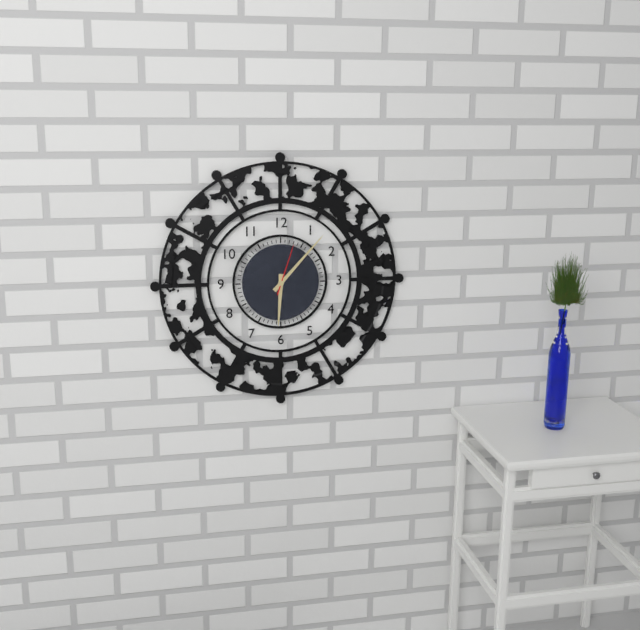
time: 6:07:03
